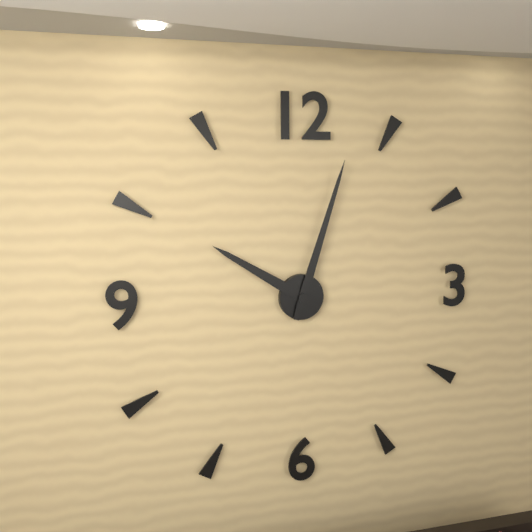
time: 10:03
